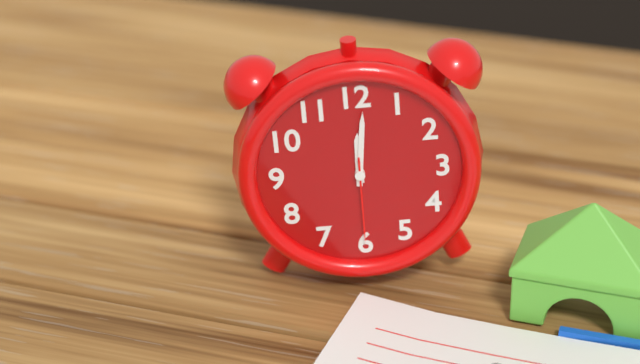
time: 12:01:30
